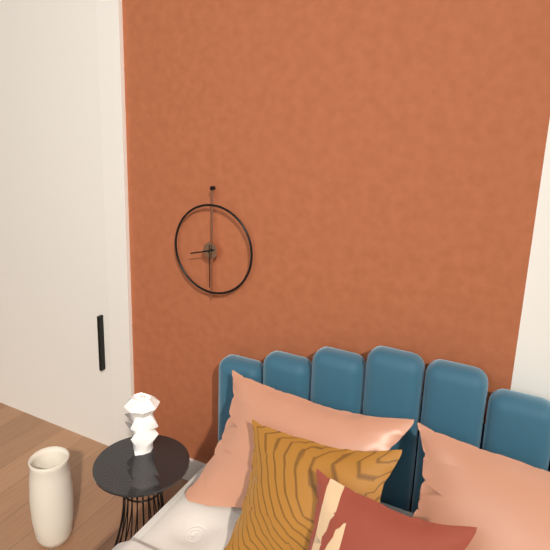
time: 8:30
